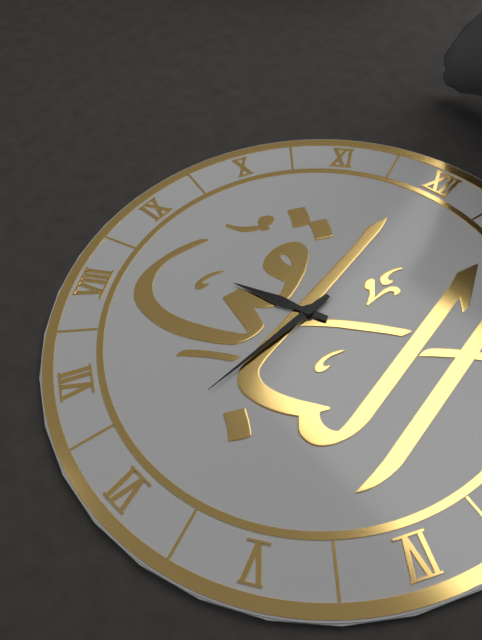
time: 8:31
